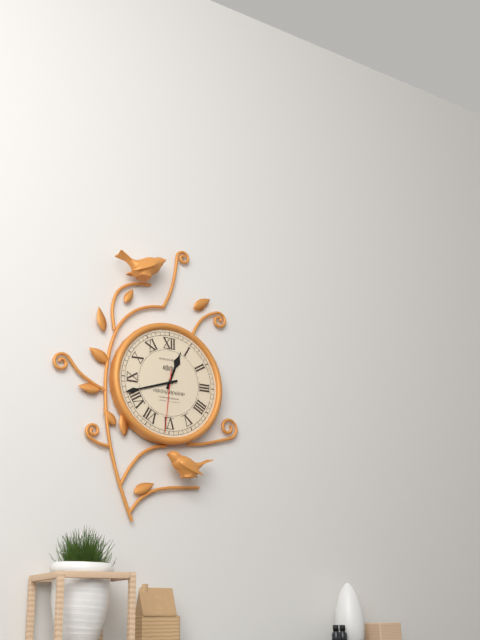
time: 12:42:31
